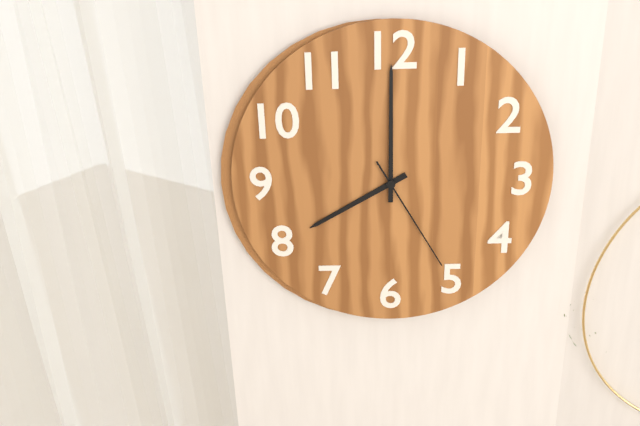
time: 8:00:25
